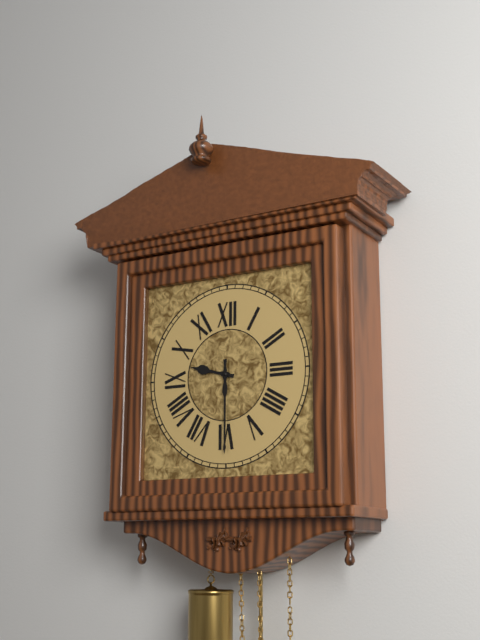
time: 9:30
